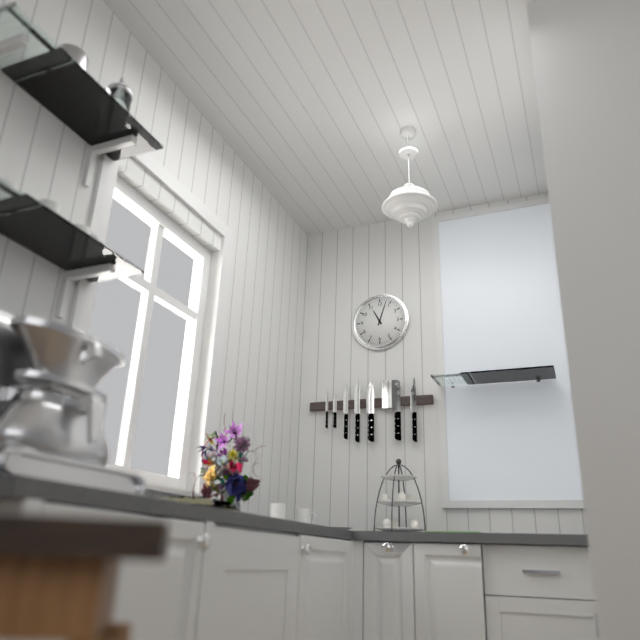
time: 11:03
